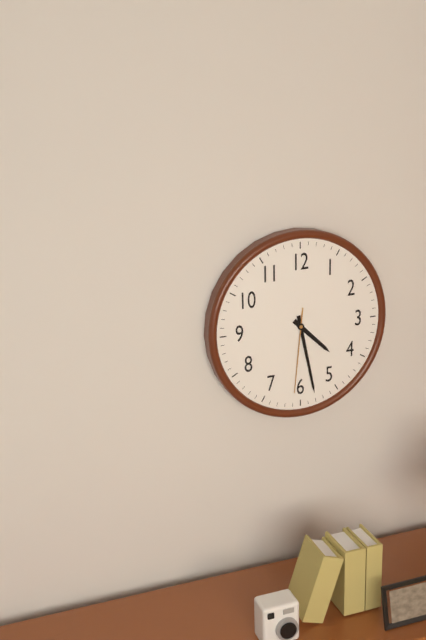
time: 4:28:31
